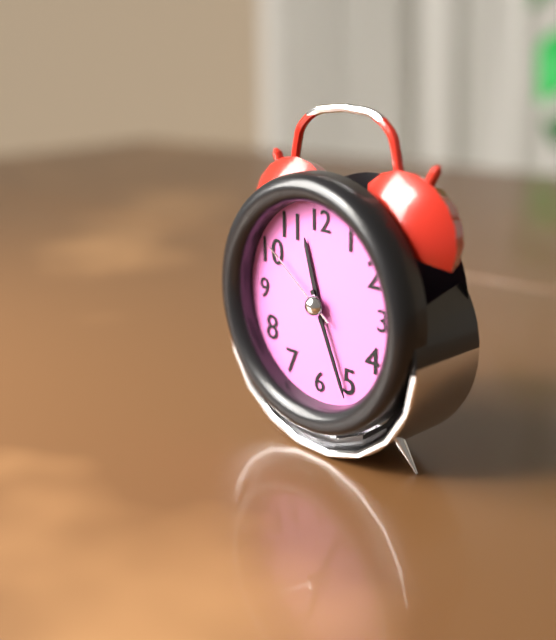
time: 11:26:51
